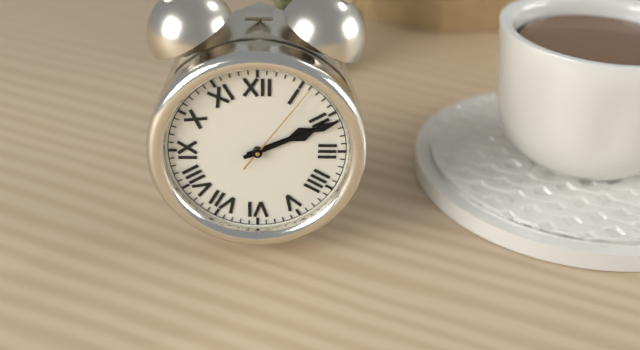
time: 2:11:06
